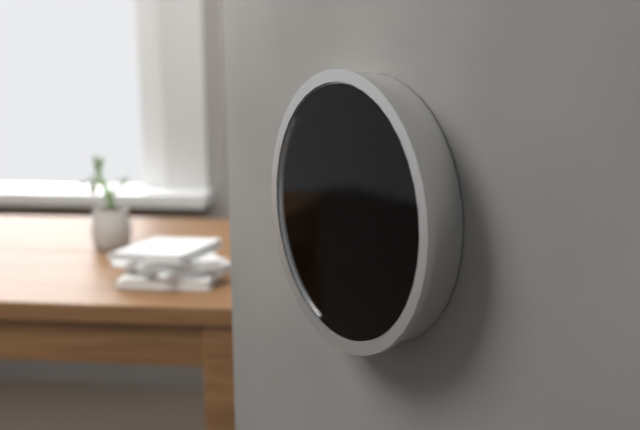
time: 11:32
